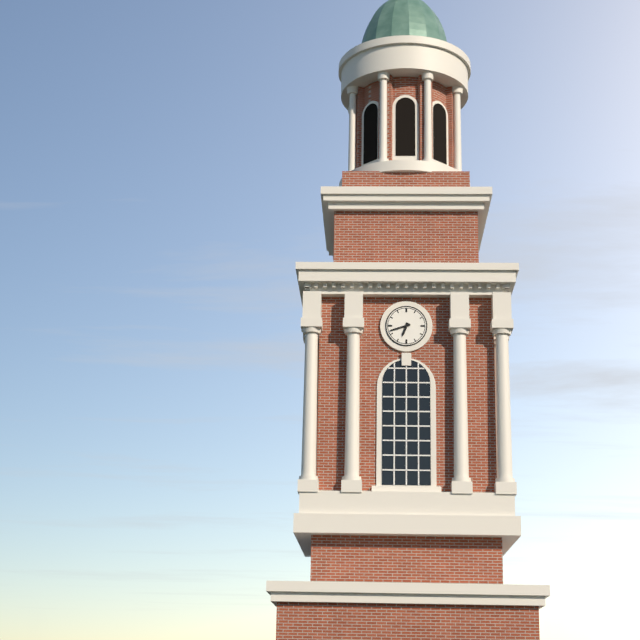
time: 6:42
